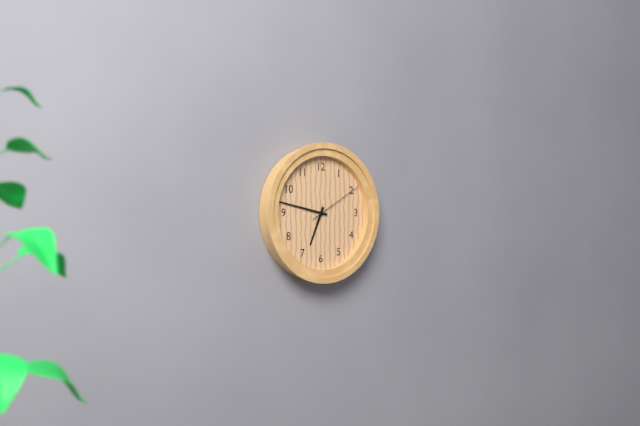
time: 6:47:10
